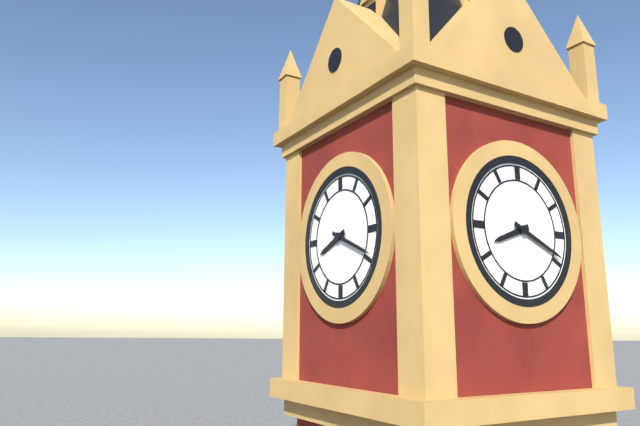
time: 8:19
